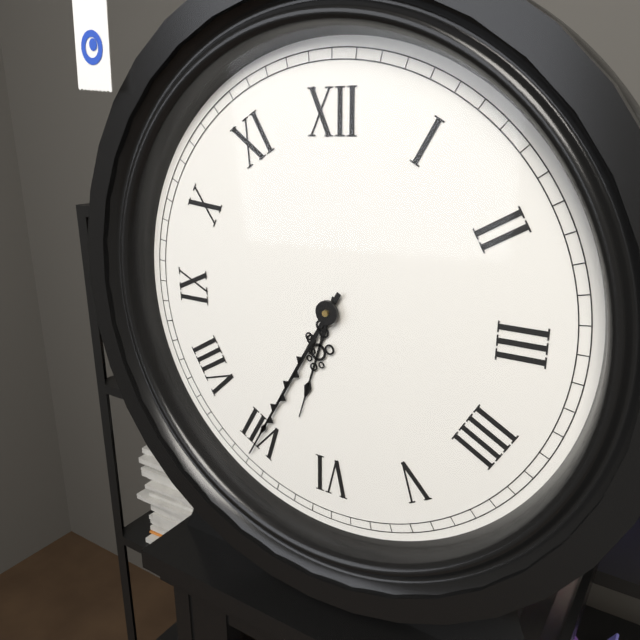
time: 6:35
